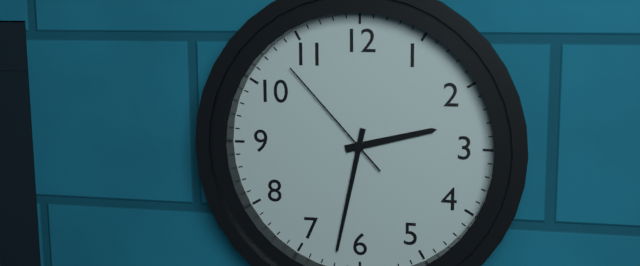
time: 2:32:53
